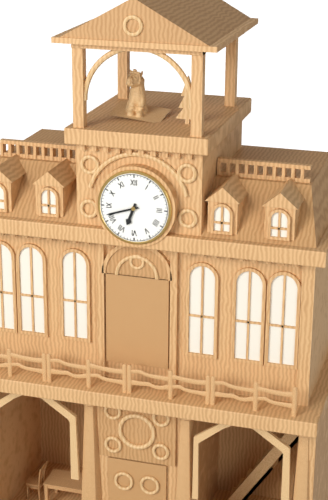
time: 6:42
